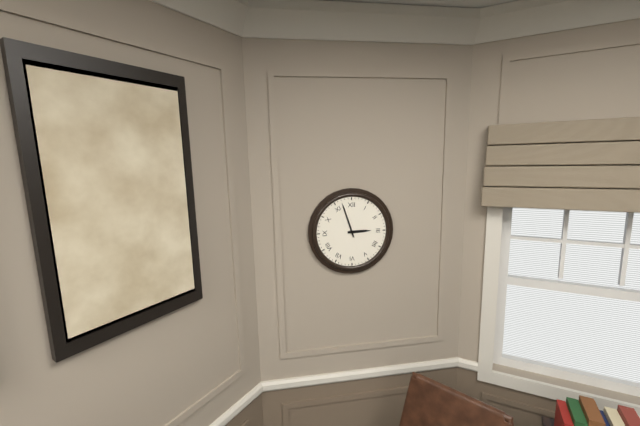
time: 2:57
